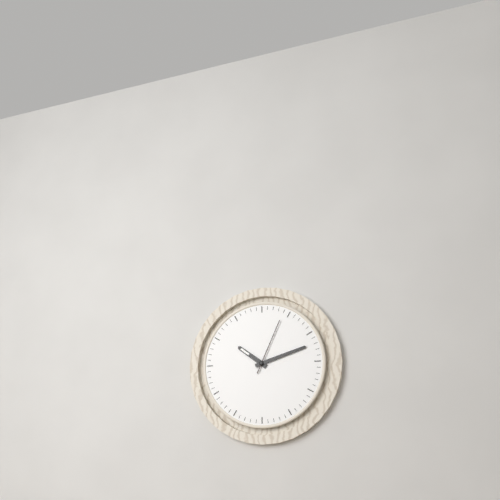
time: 10:12:04
